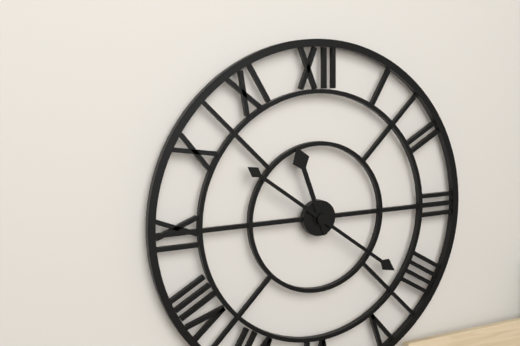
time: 11:21
